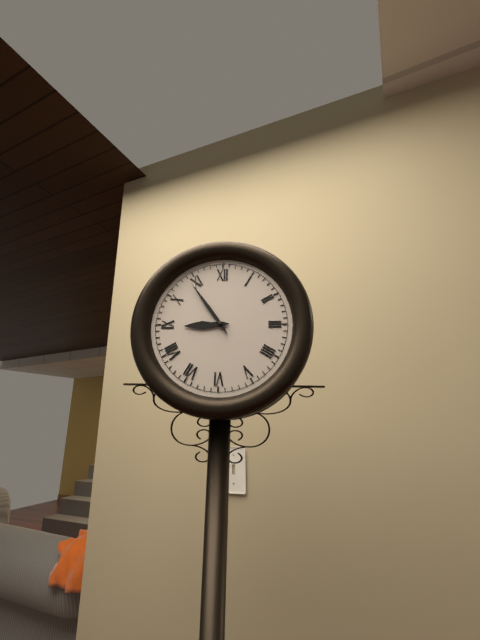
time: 8:54
